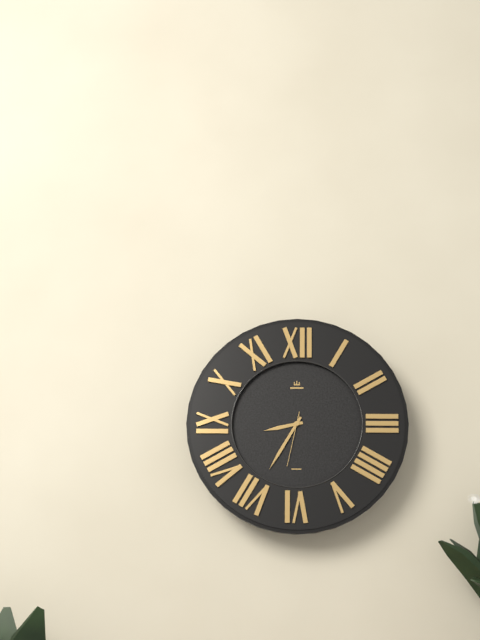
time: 8:35
